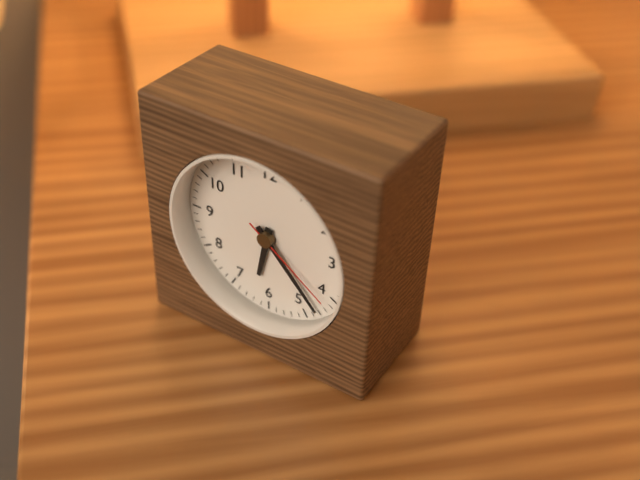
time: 6:23:21
